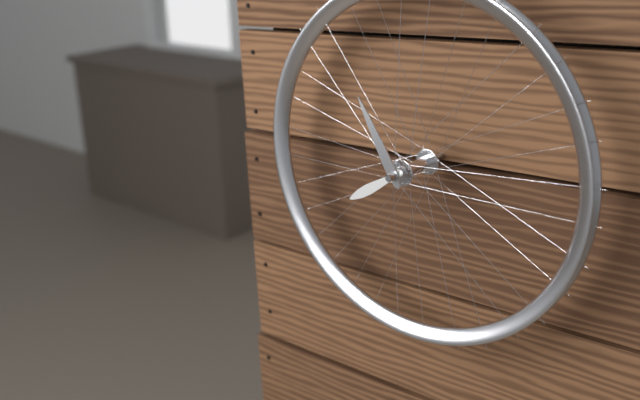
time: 7:55
